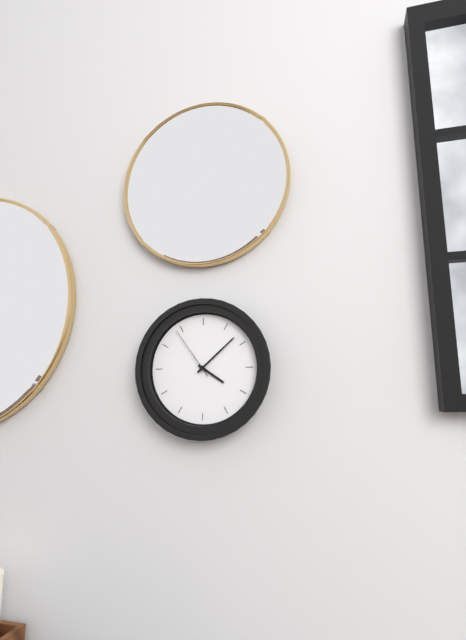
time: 4:08:54
